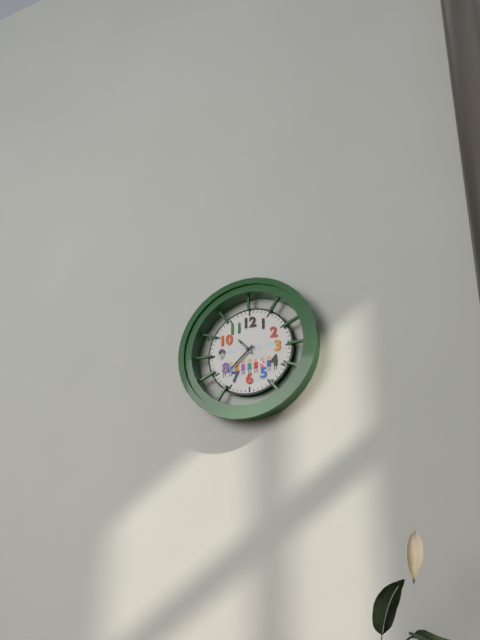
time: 10:38
